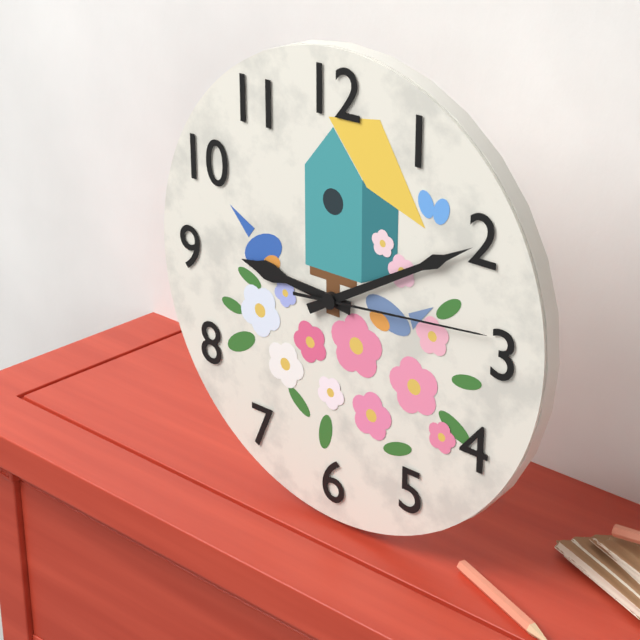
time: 9:10:14
